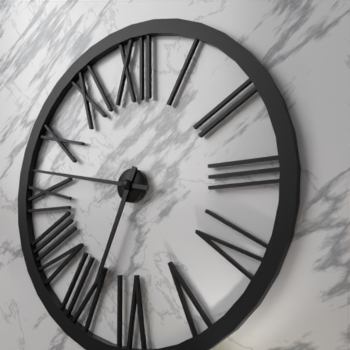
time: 6:47
